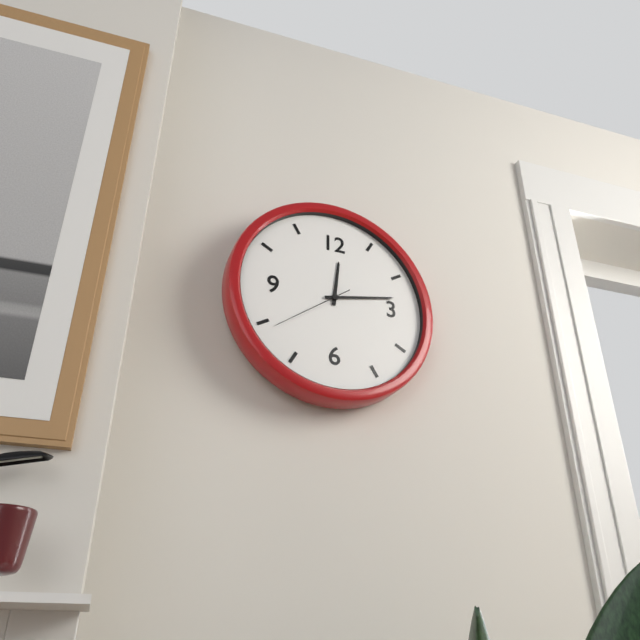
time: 12:13:39
